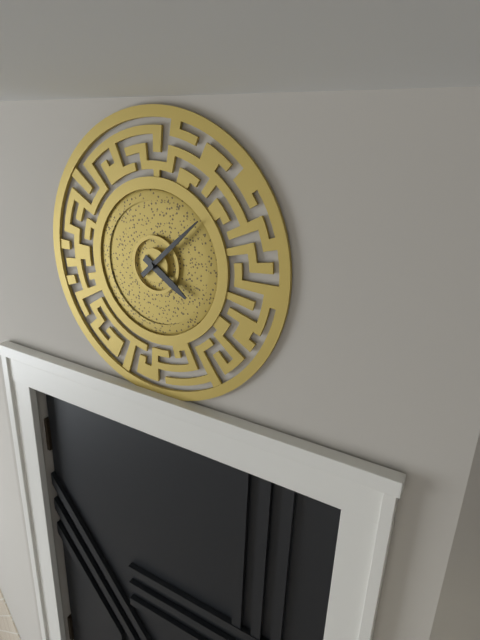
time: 4:08
